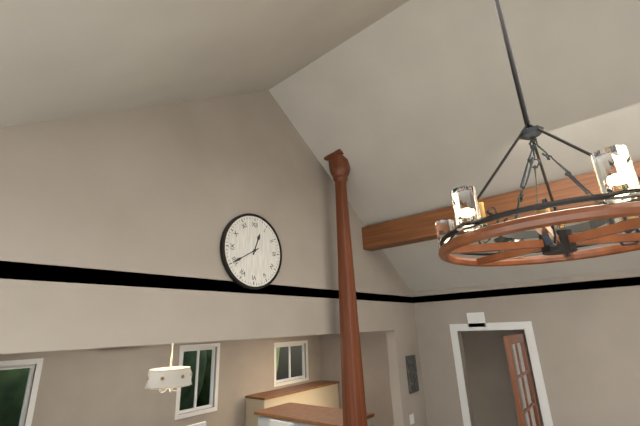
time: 12:40
